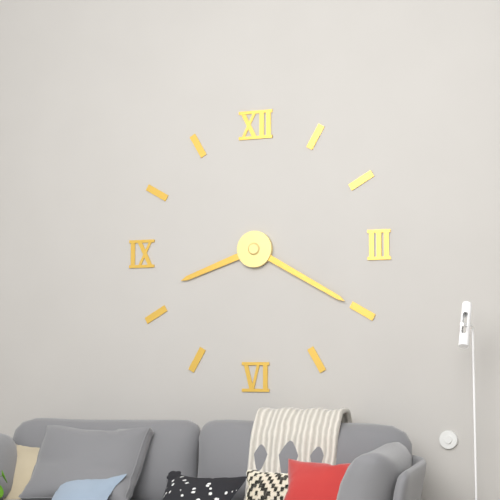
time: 8:20
